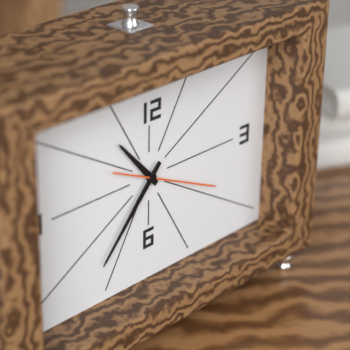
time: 10:37:19
